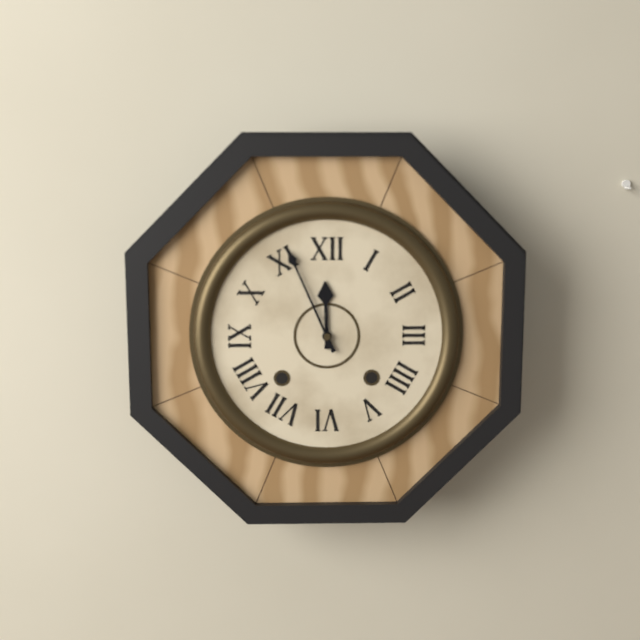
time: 11:56
